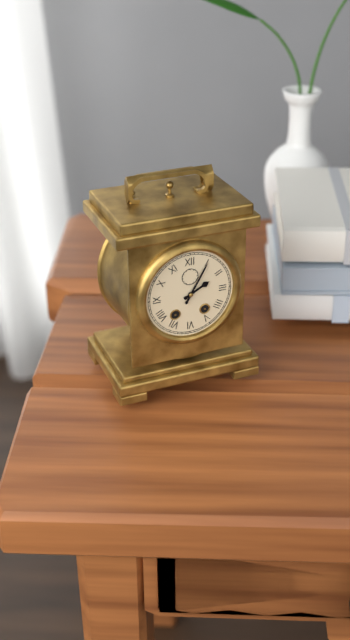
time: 2:05
